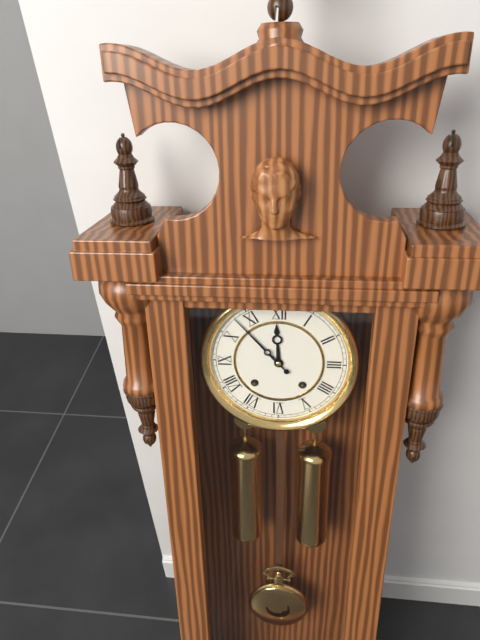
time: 11:53
